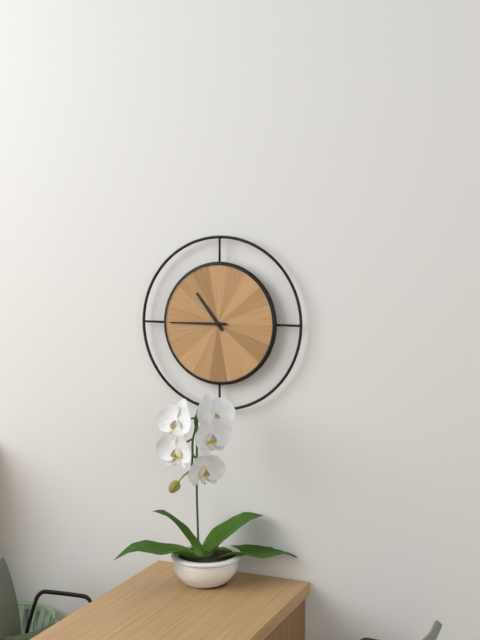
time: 10:45
